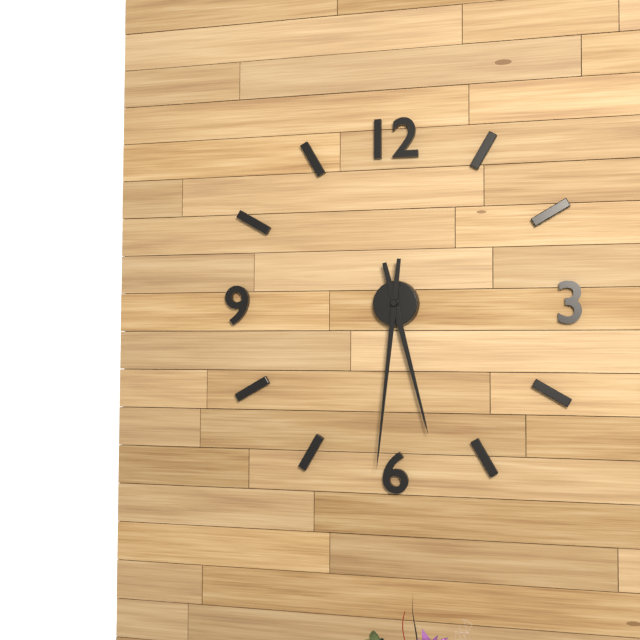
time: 5:31
